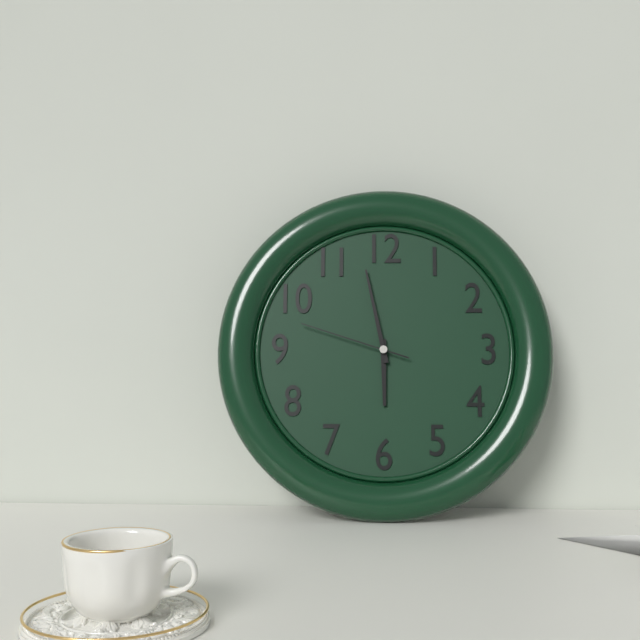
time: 5:58:48
